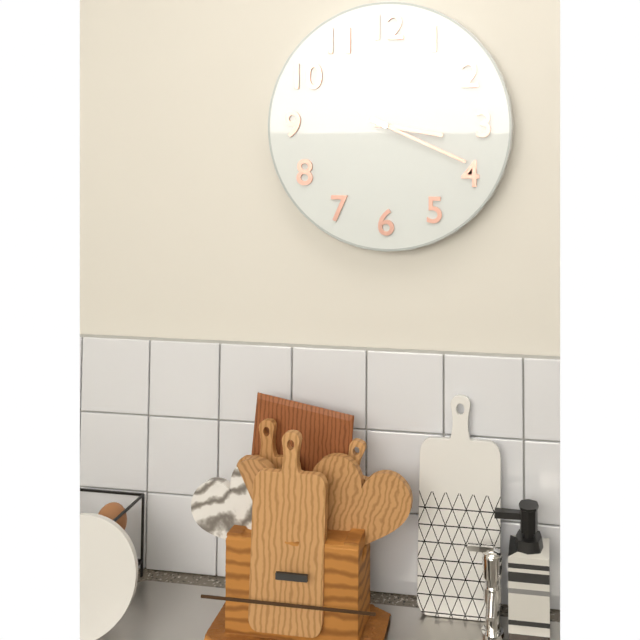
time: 3:19
